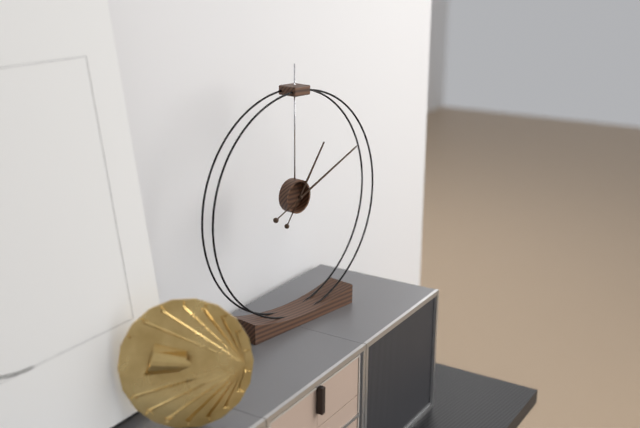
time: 1:11
